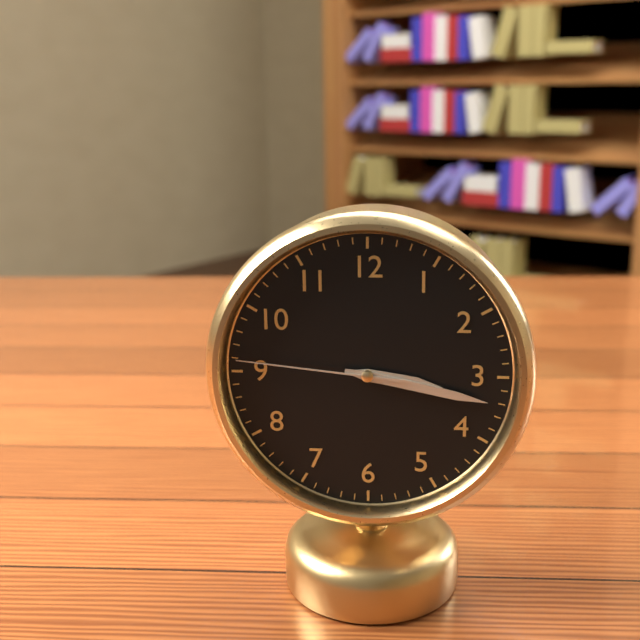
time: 3:17:46
